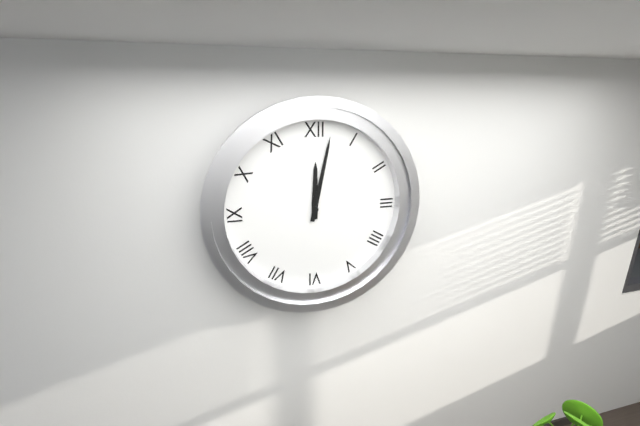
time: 12:02
